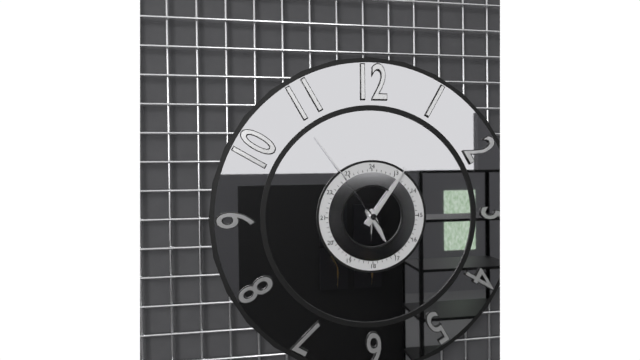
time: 5:06:54
